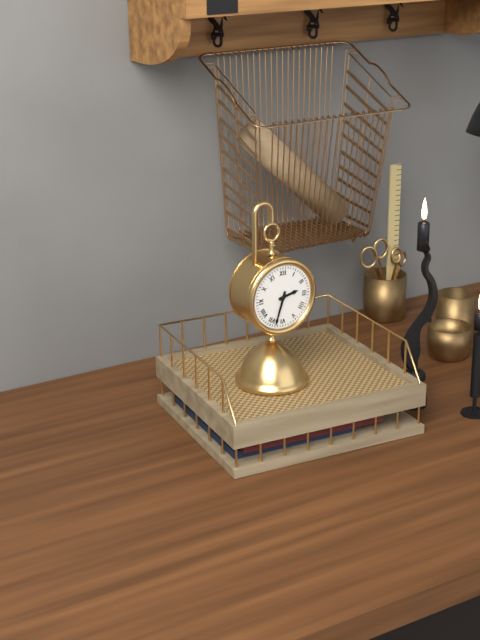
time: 2:33
